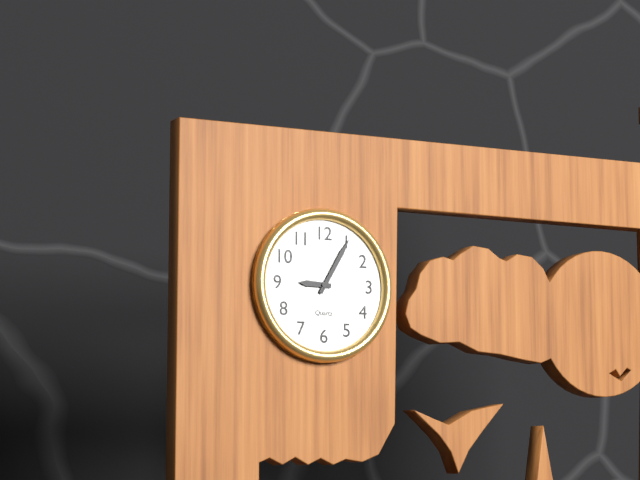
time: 9:05
